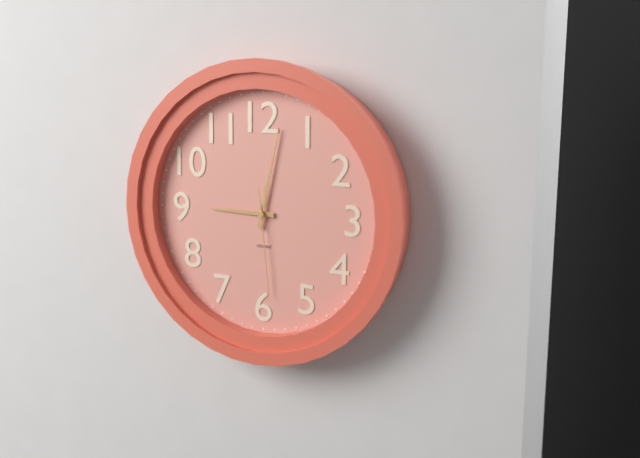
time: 9:02:29
